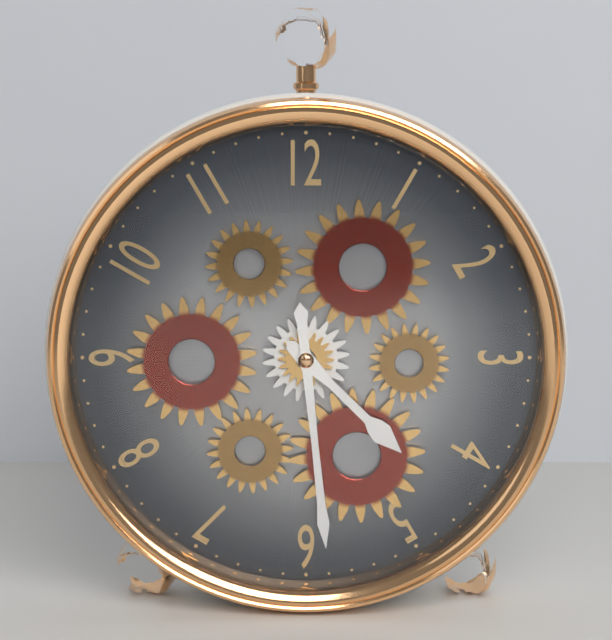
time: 4:29
